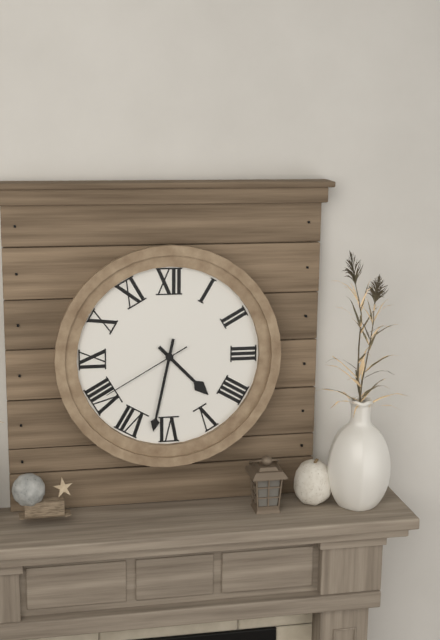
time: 4:32:40
